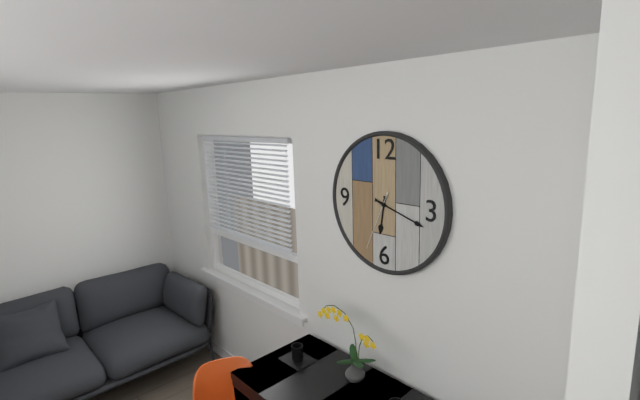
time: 6:18:34
